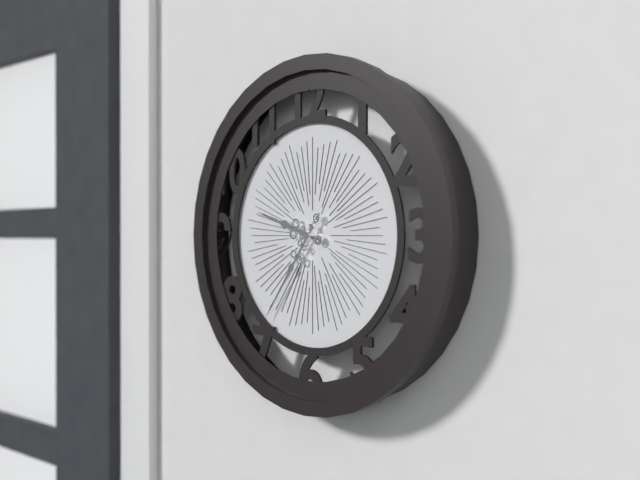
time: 9:36
